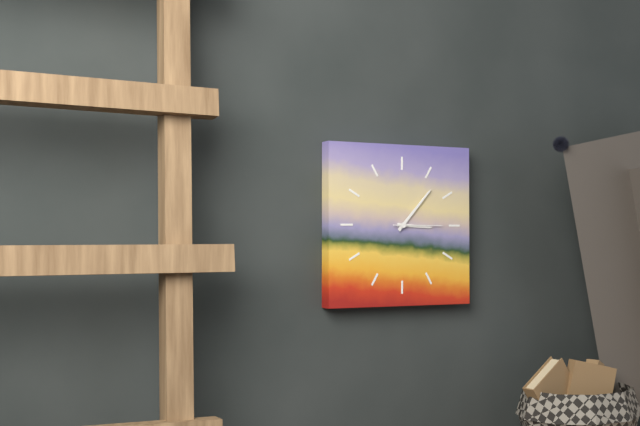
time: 3:07:15
